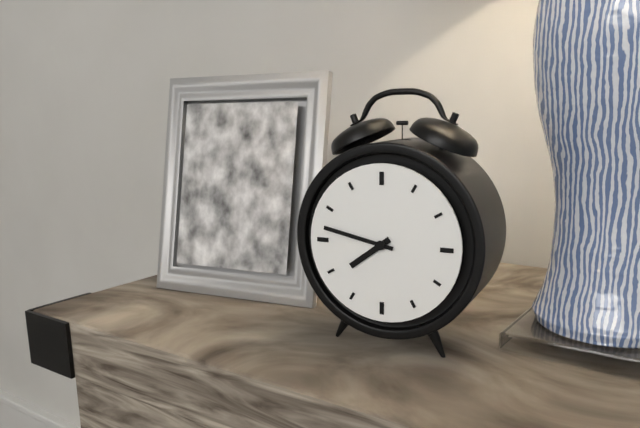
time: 7:47
